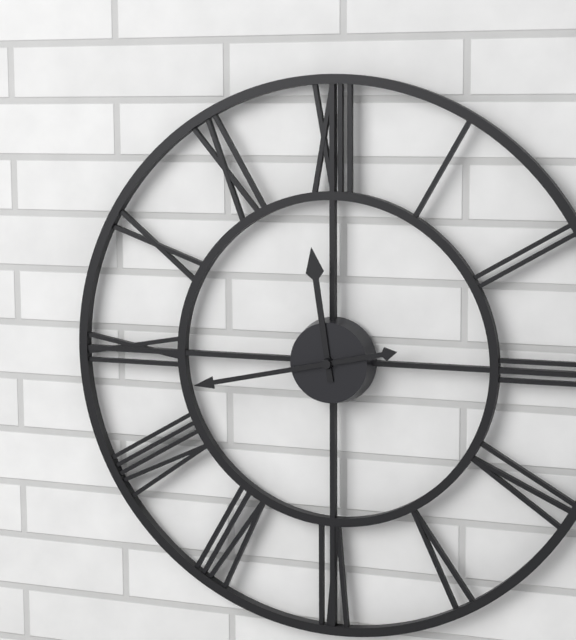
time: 11:43
